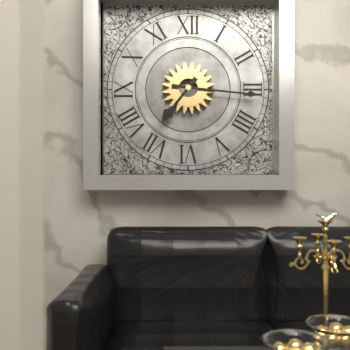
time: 7:16
